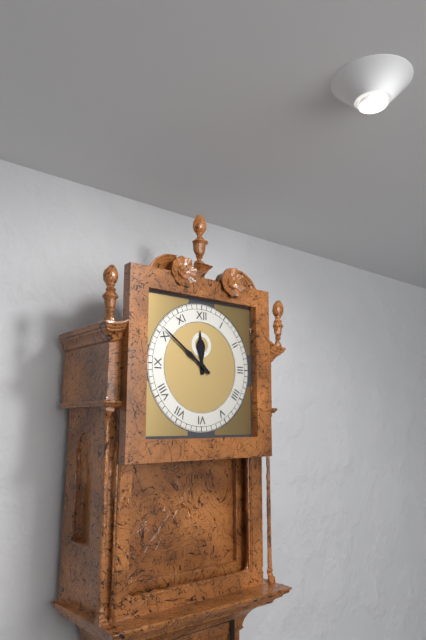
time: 11:51
